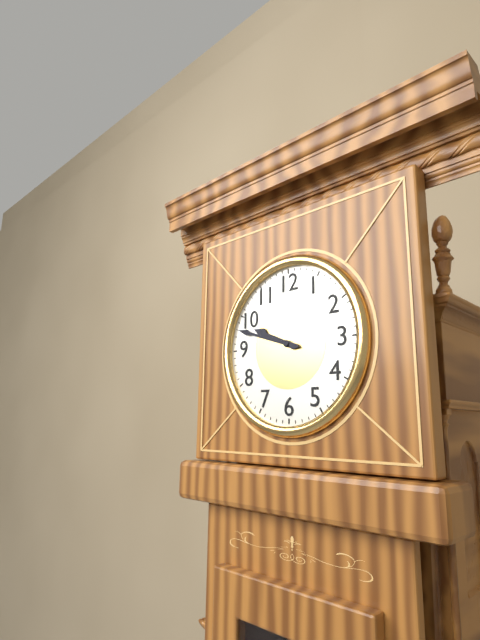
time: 9:48
